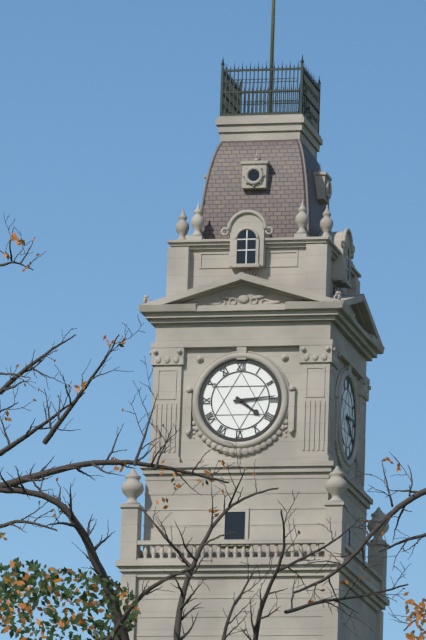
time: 4:14
